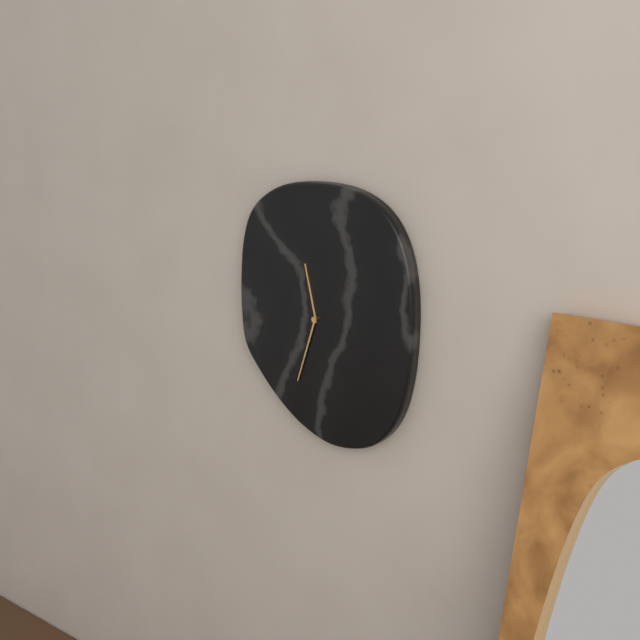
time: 11:33
